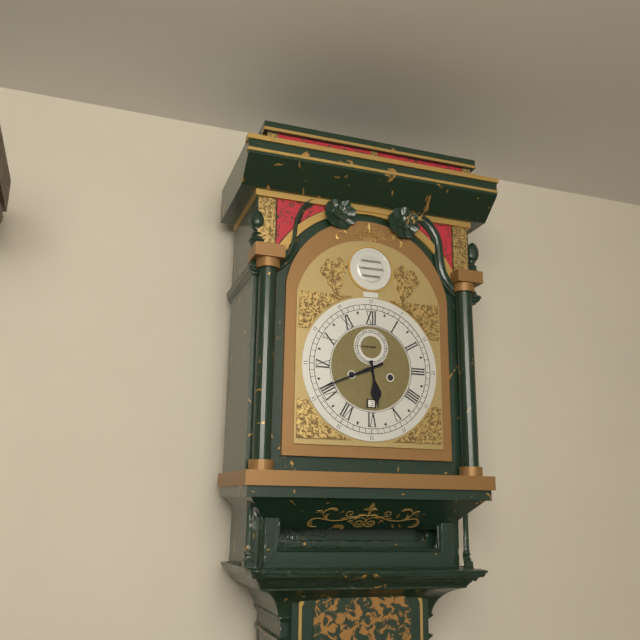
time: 5:41
